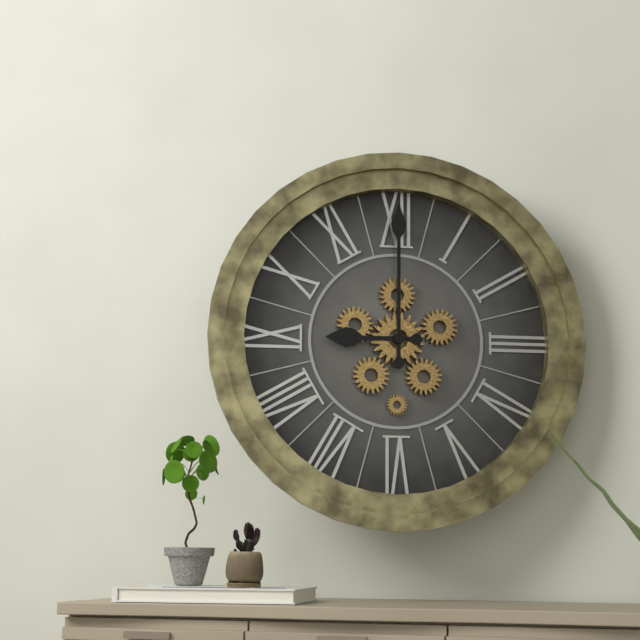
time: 9:00
